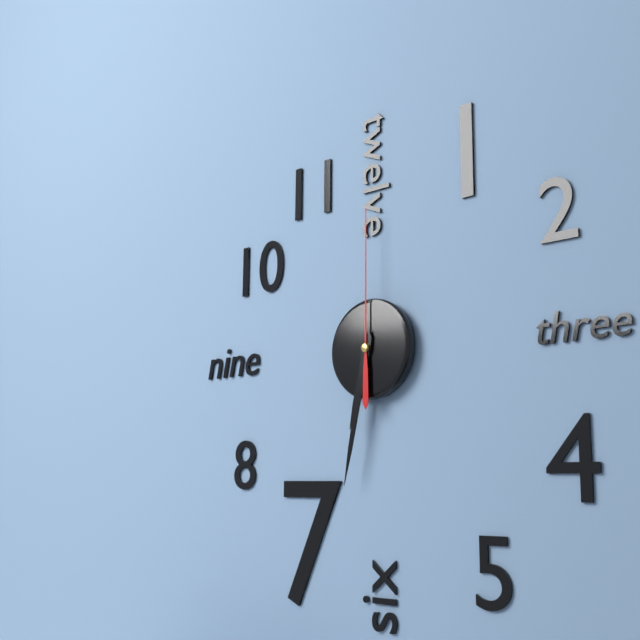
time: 6:32:00
